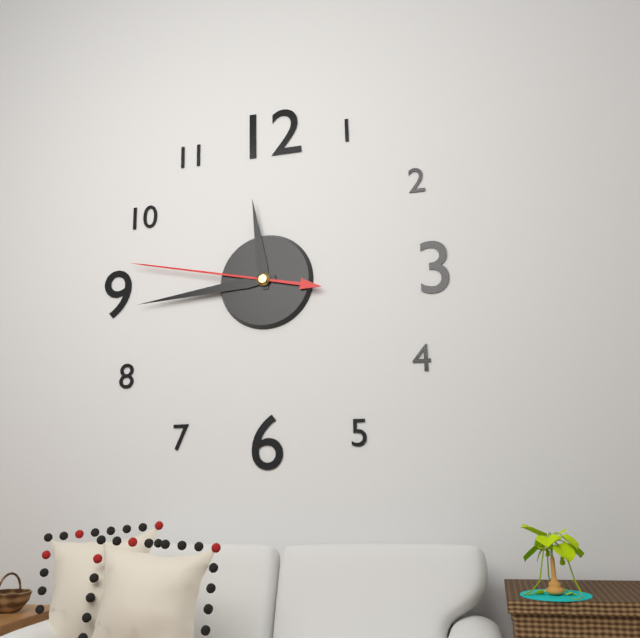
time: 11:44:47
